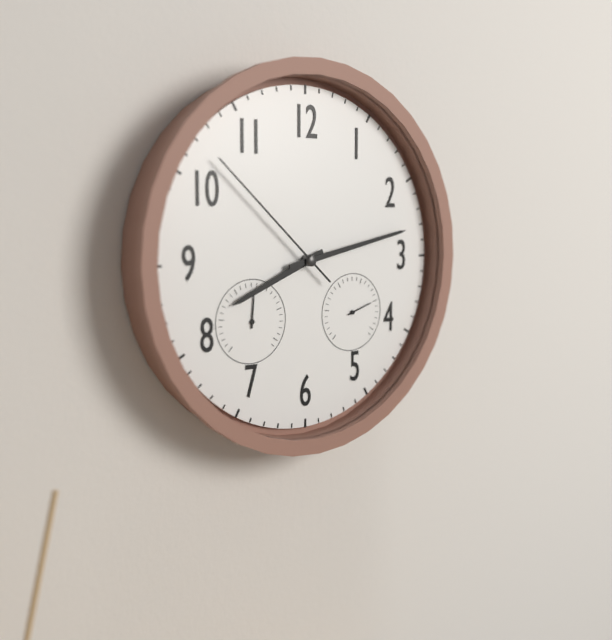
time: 8:13:52
